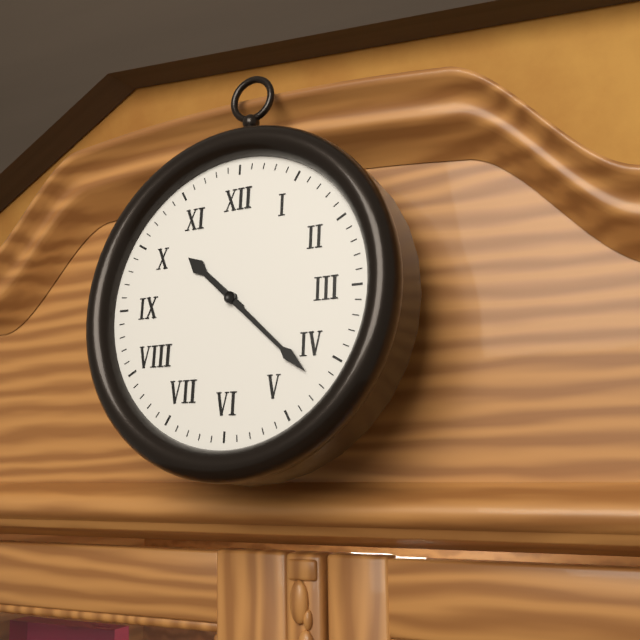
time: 10:22
